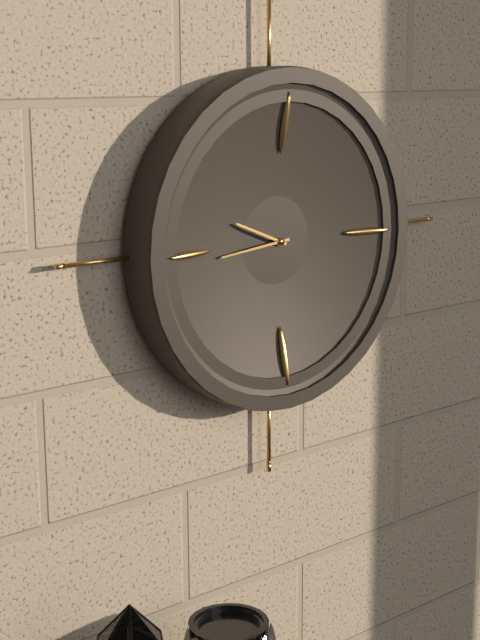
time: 9:44
